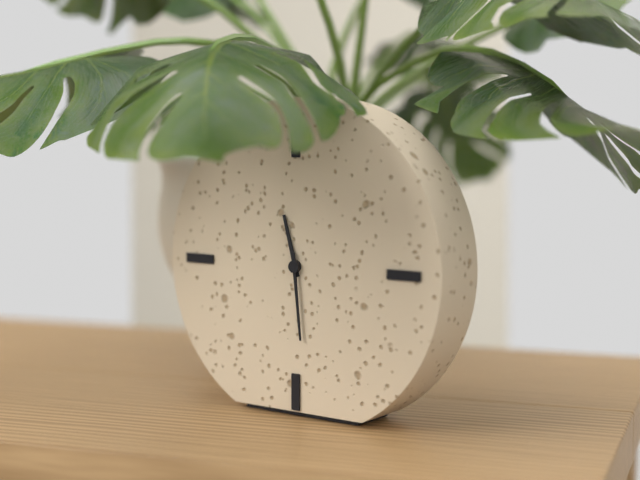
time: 11:29
